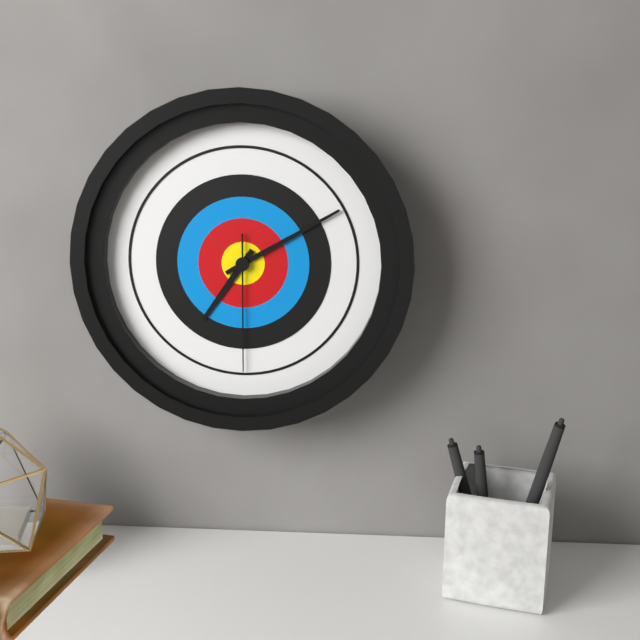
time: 7:10:30
